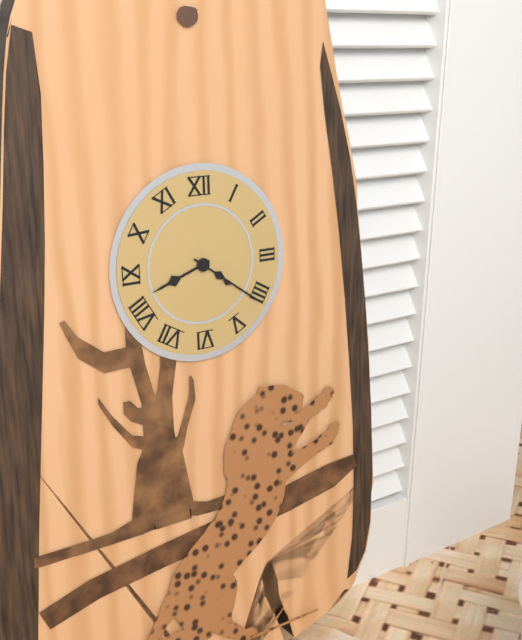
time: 8:21
